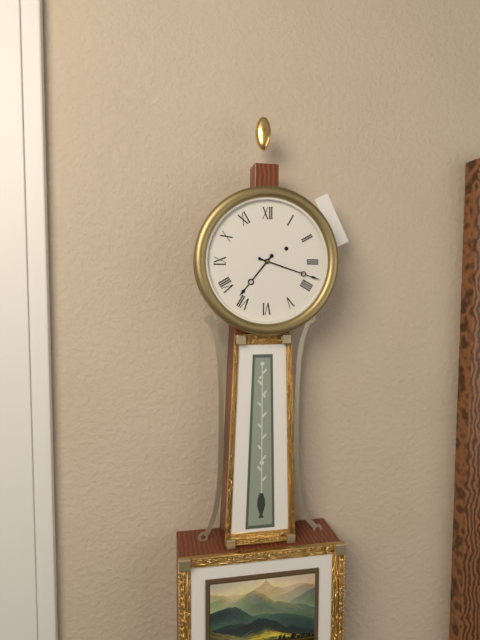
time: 7:18
